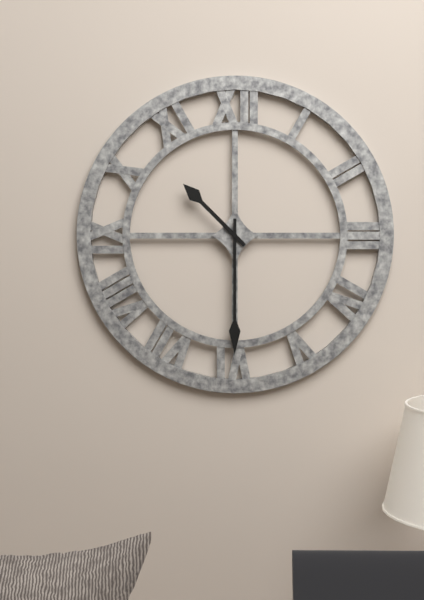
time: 10:30
